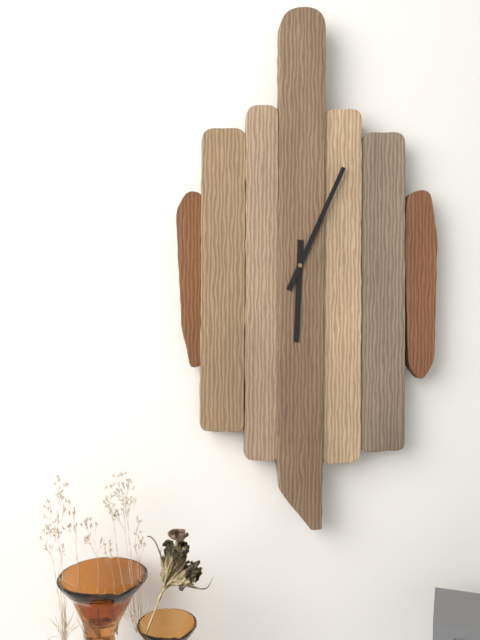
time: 6:04
